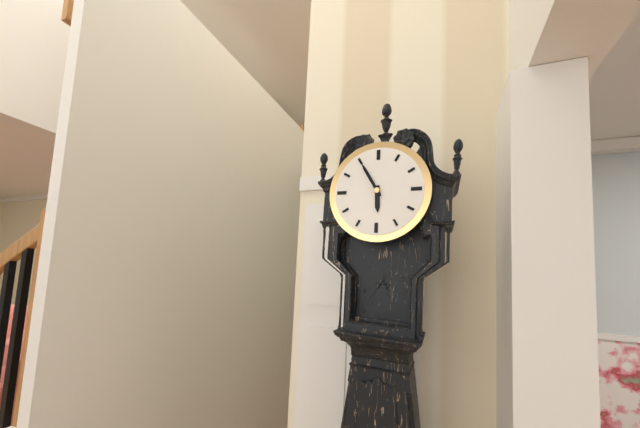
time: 5:55
